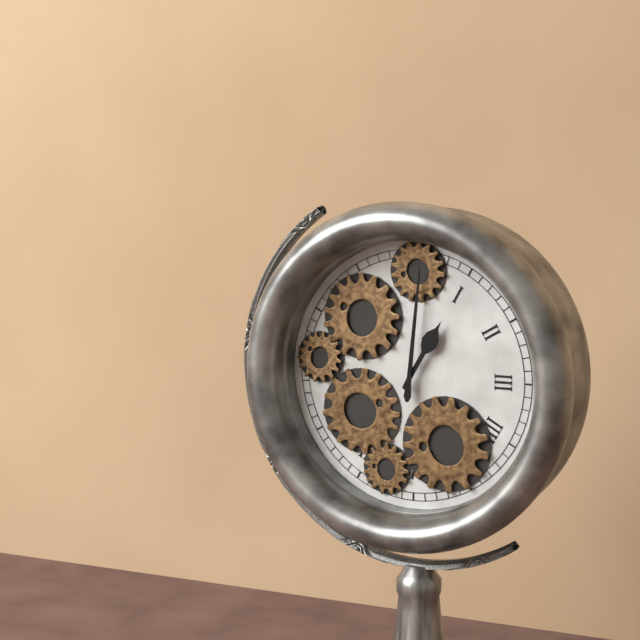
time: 1:01
